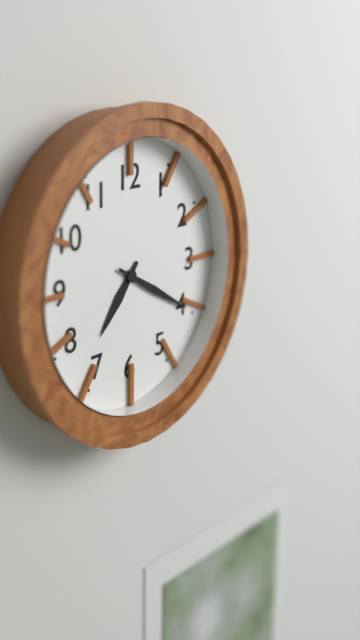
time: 7:20
